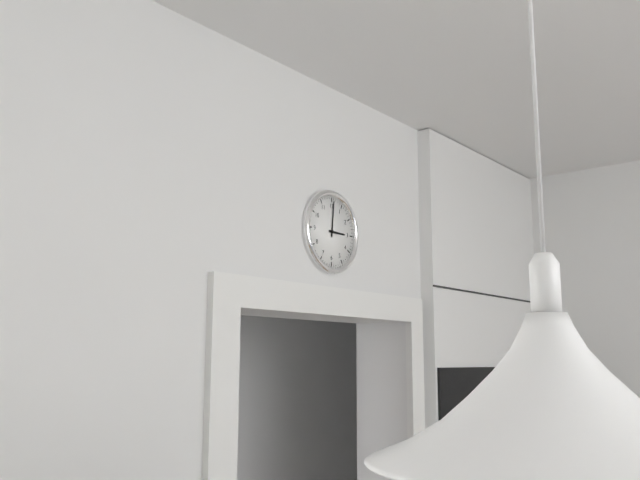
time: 3:01
